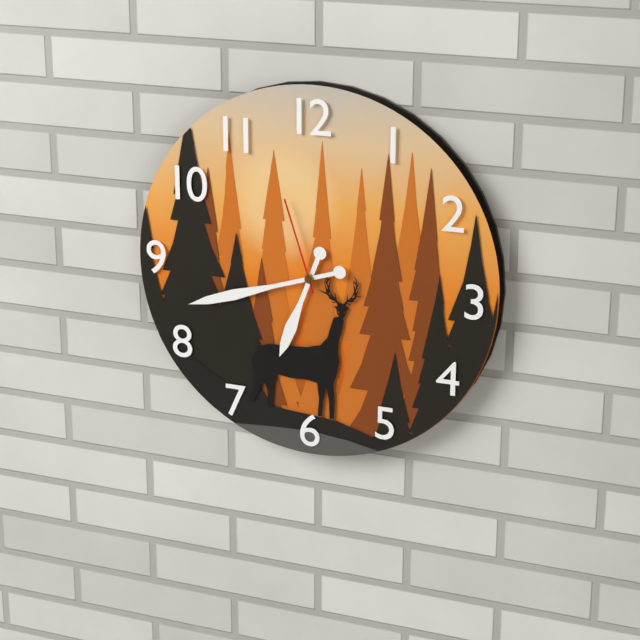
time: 6:42:57
